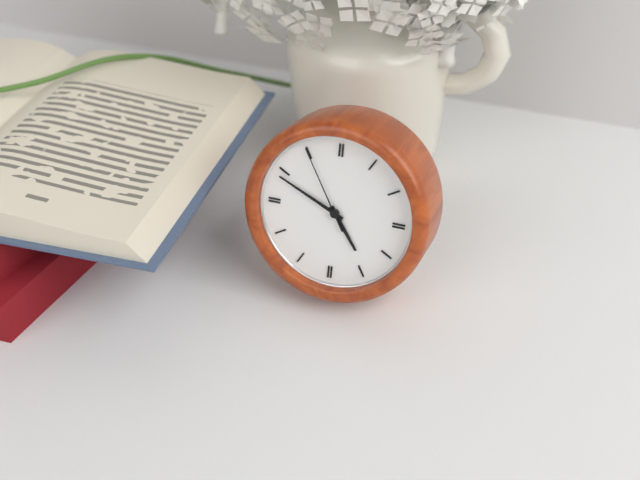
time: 4:49:55
